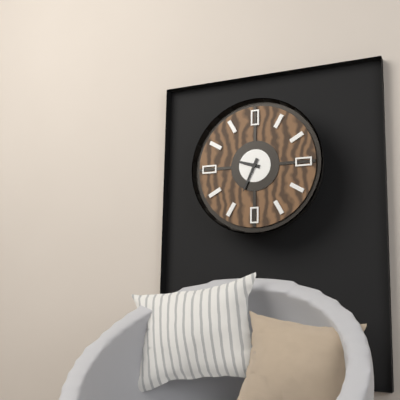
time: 9:34
